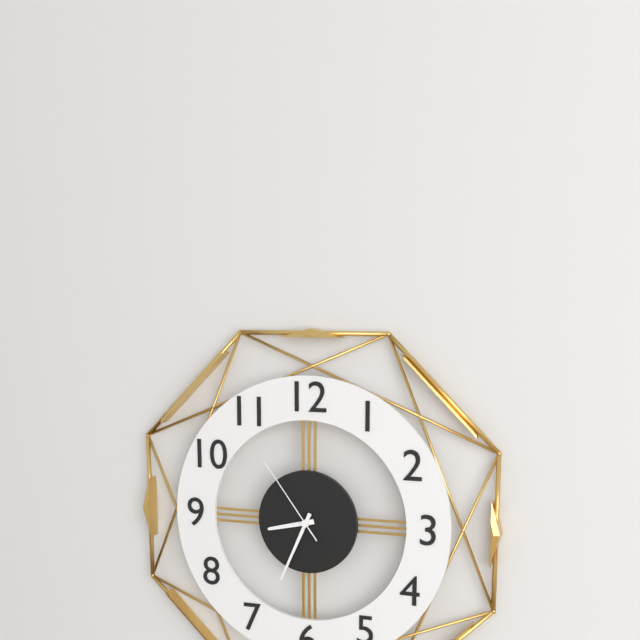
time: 8:34:54
